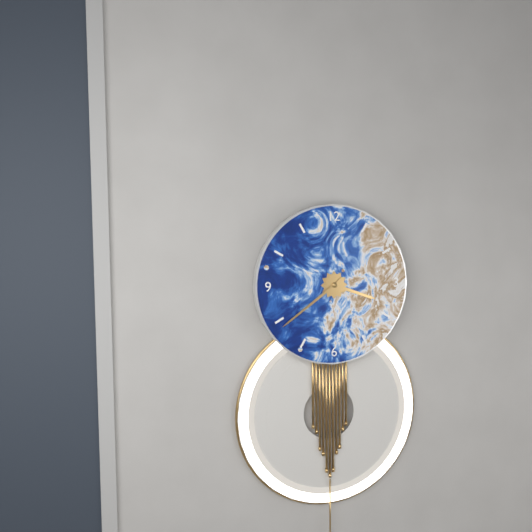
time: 3:39
